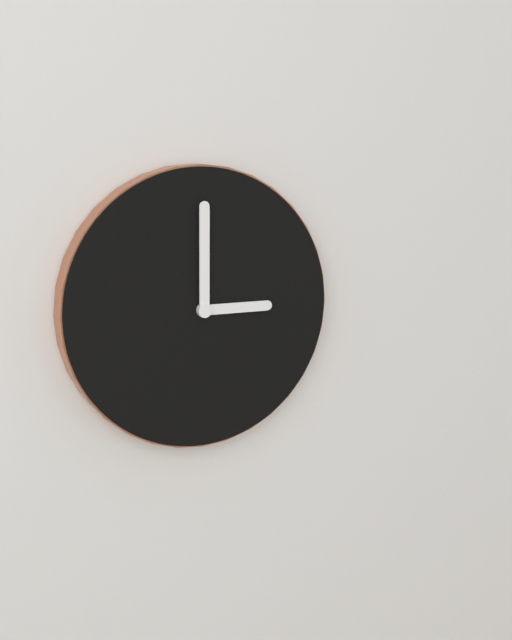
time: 3:00
